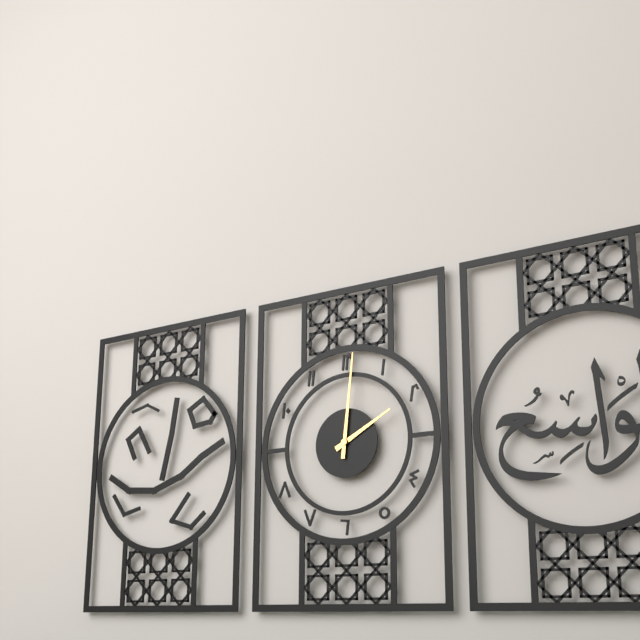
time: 2:01
